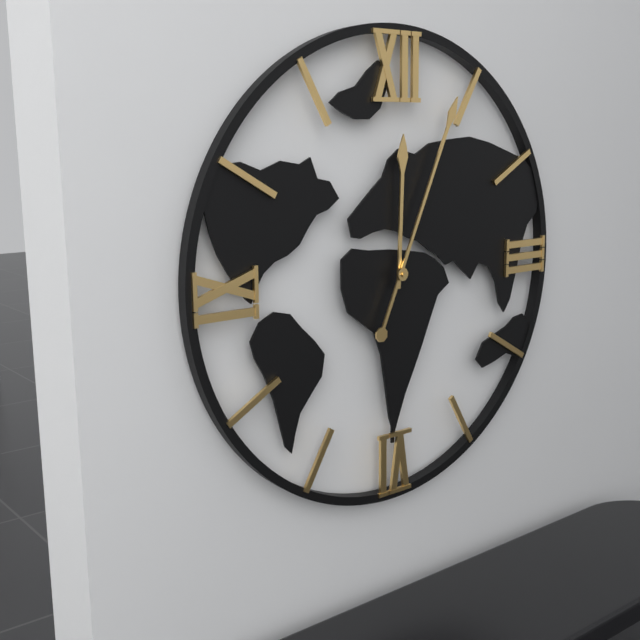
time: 12:04
